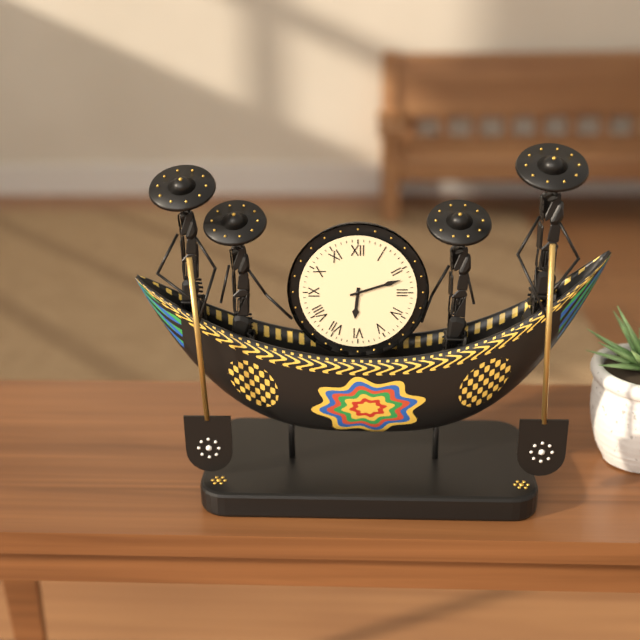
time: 6:12
